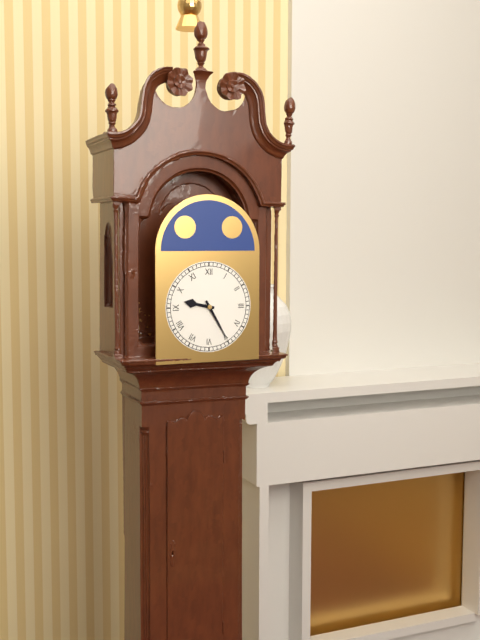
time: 9:25
